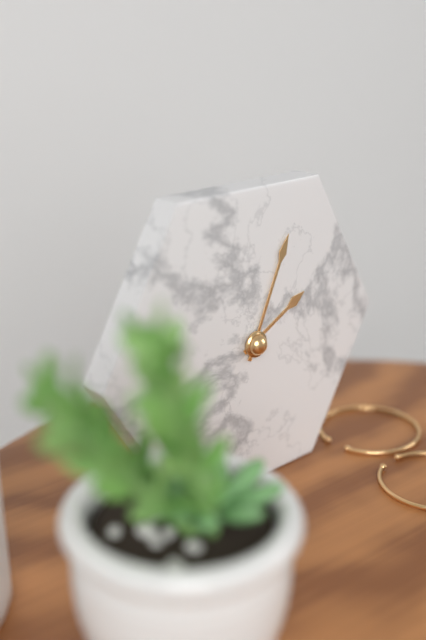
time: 2:04
